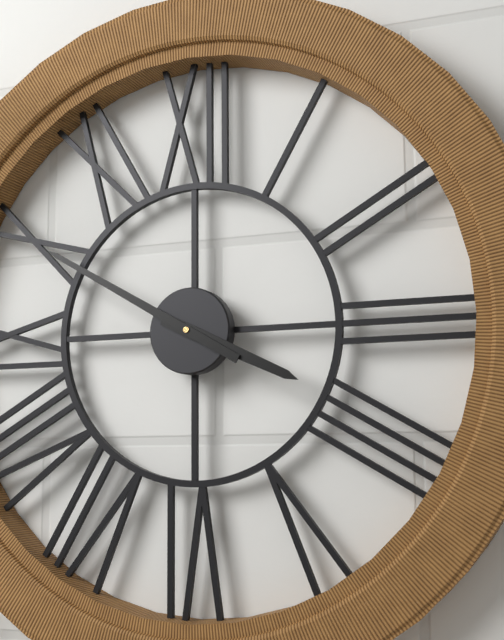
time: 3:50
